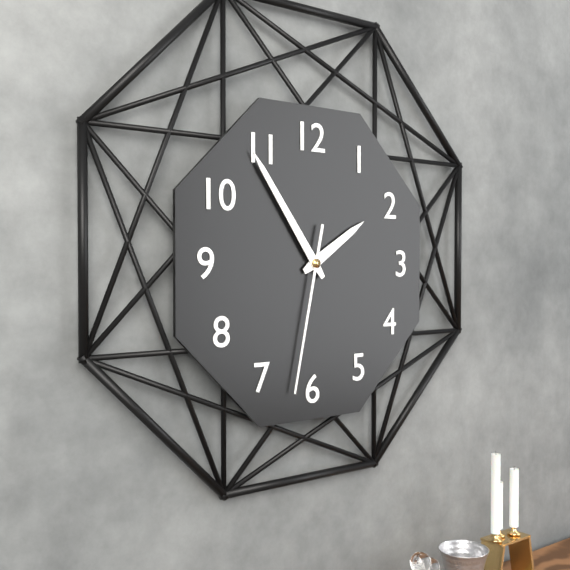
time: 1:54:32
